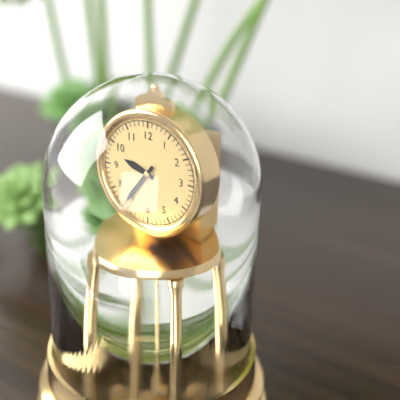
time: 9:36
